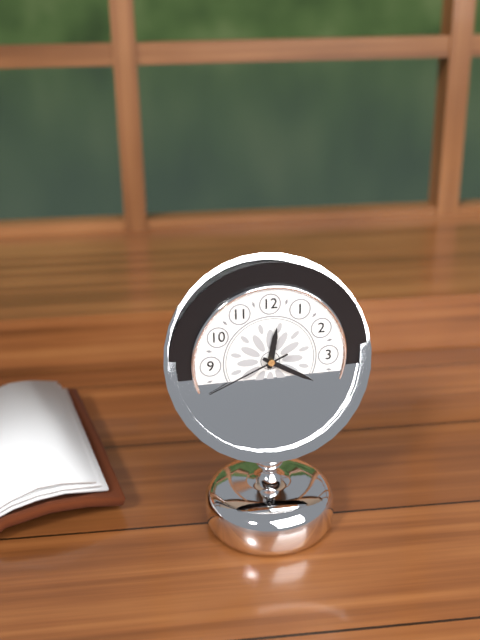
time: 12:20:41
